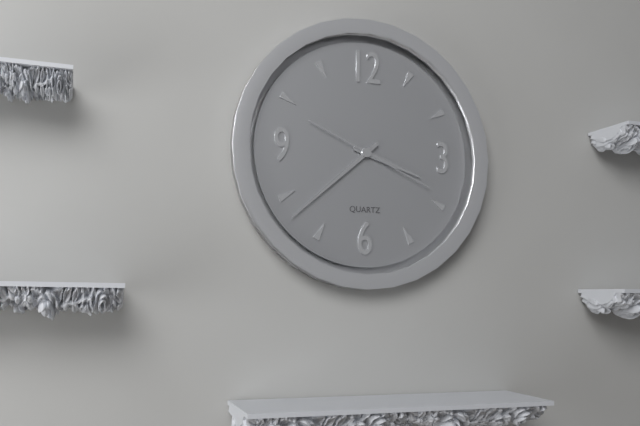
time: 3:38:19
